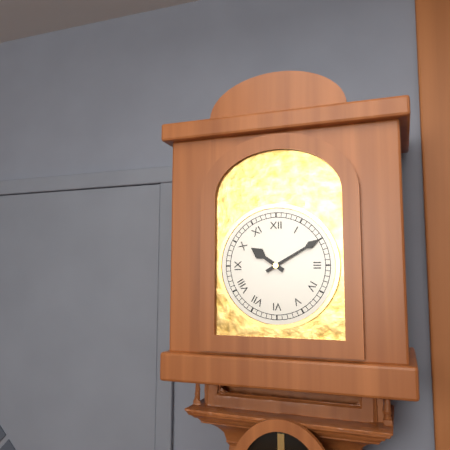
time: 10:10
